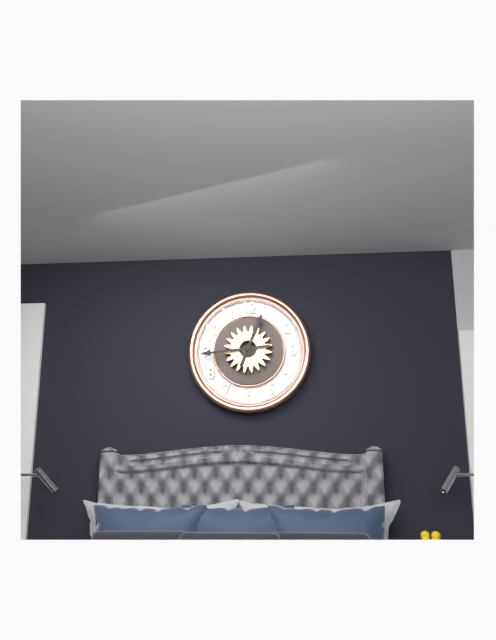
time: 12:44
